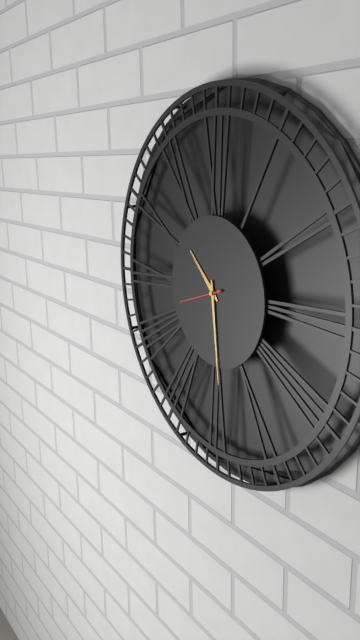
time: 10:29:42
